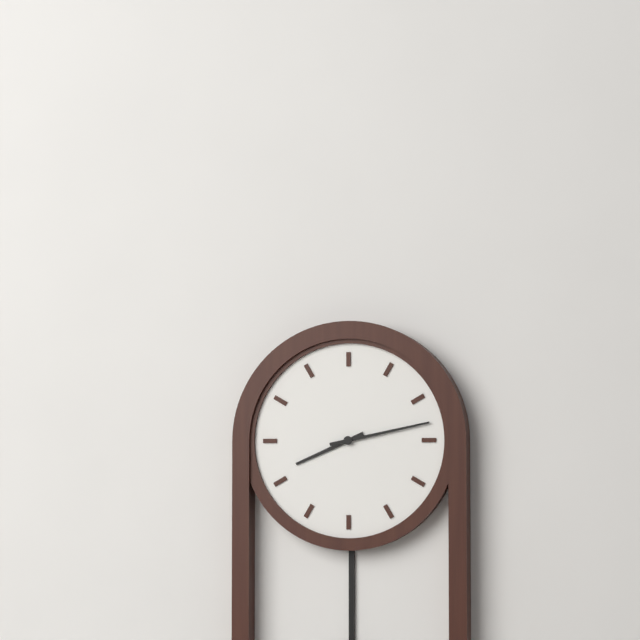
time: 8:13
